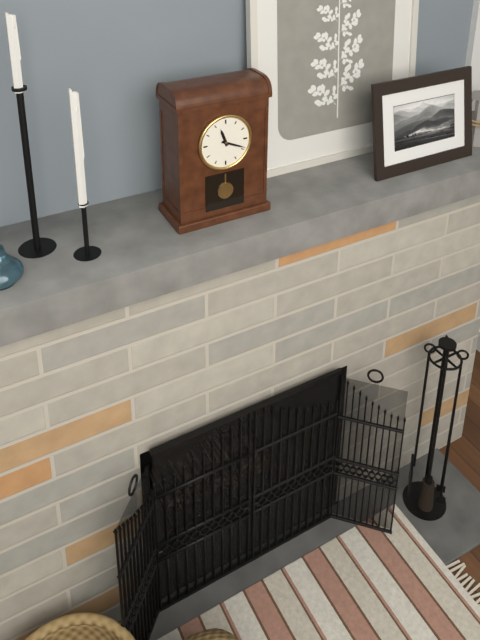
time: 11:19
